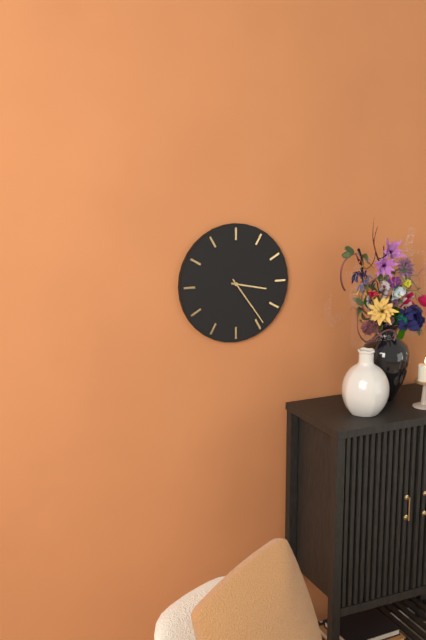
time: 3:24
